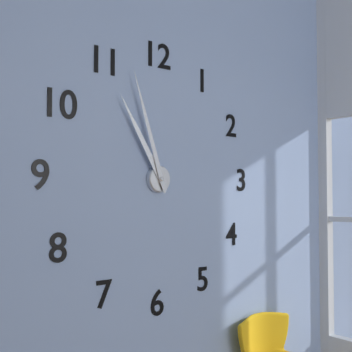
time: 10:57
